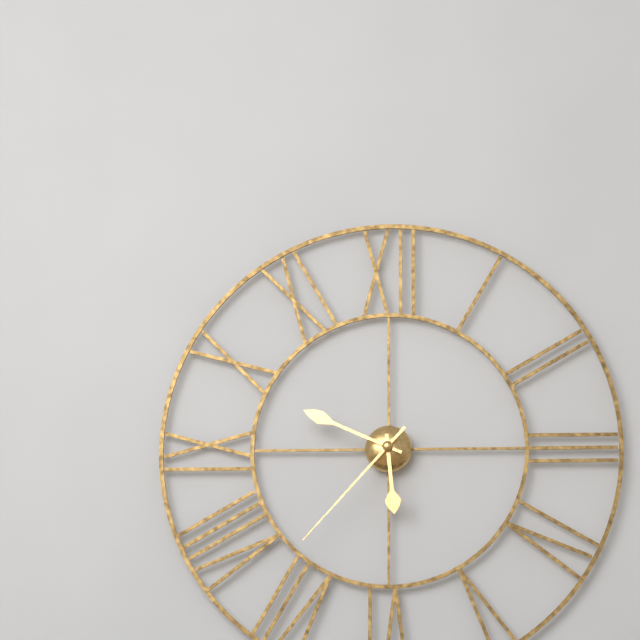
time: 5:49:37
